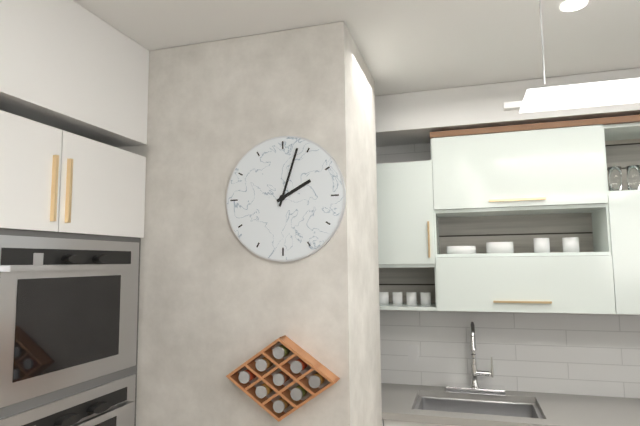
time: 2:03
